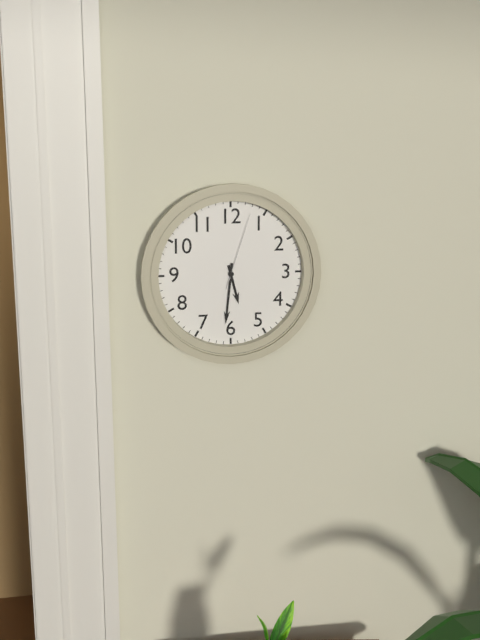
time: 5:31:03
